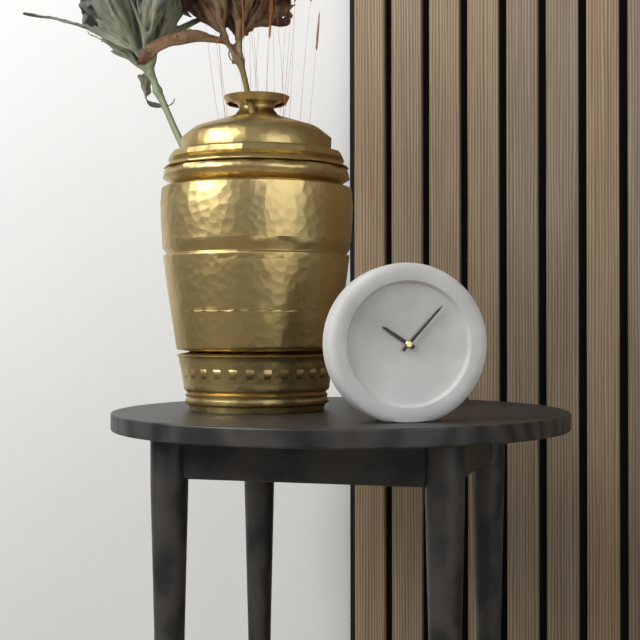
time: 10:07
